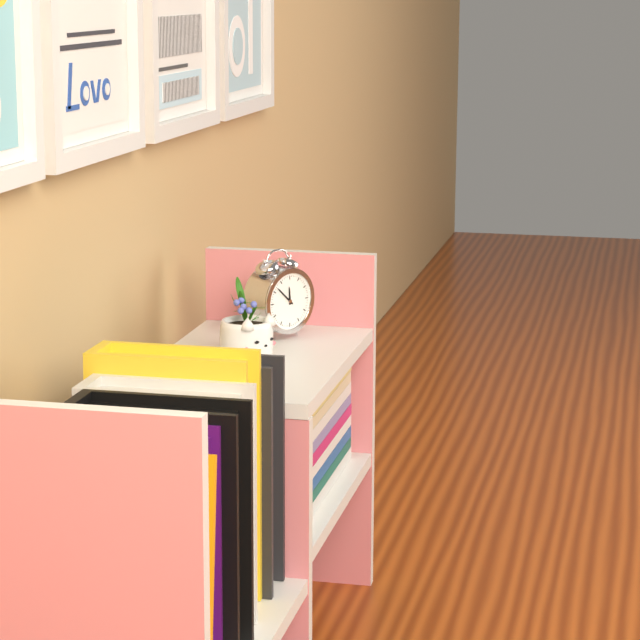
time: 11:52
